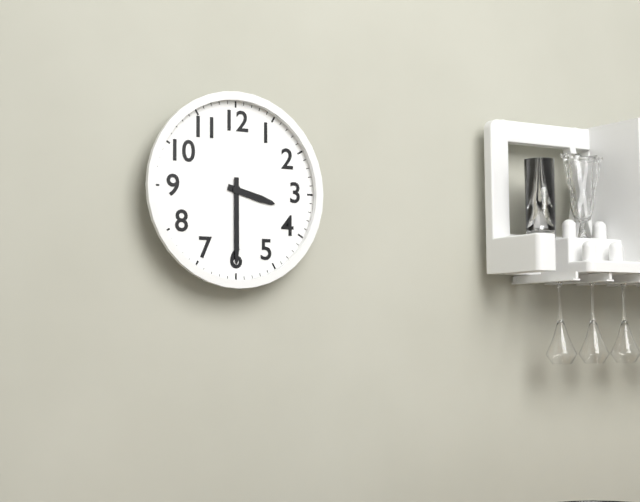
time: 3:30
